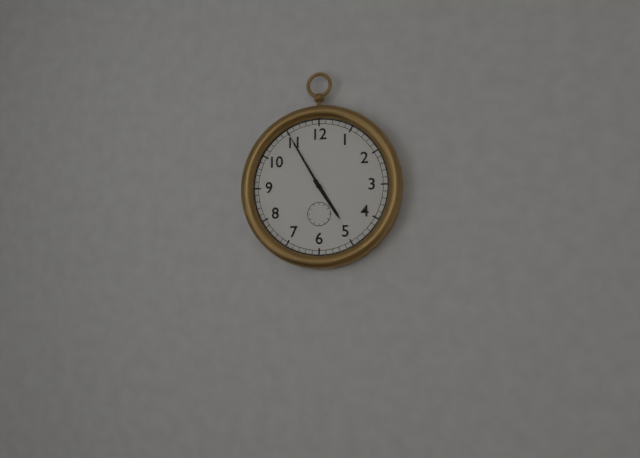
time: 4:55
